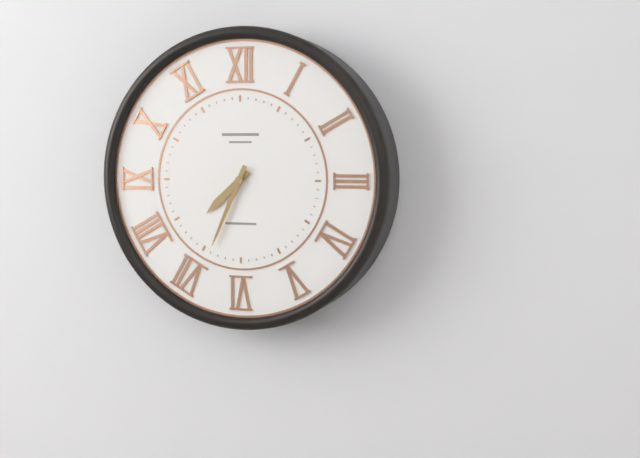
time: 7:34
